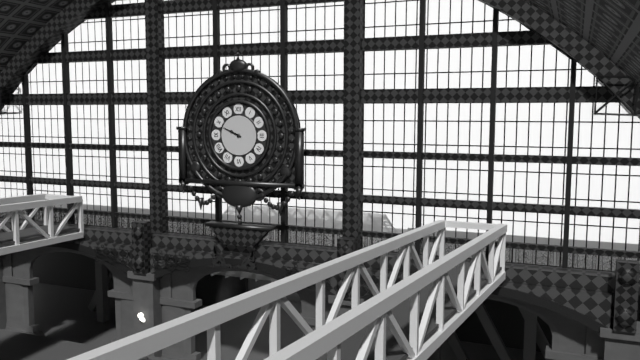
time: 9:49
